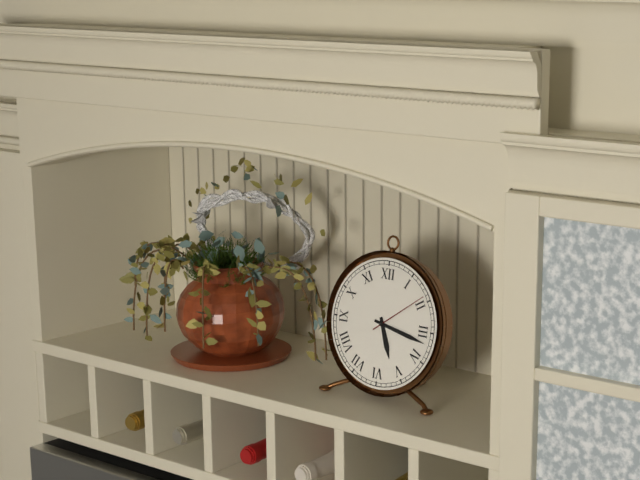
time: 5:17:09
